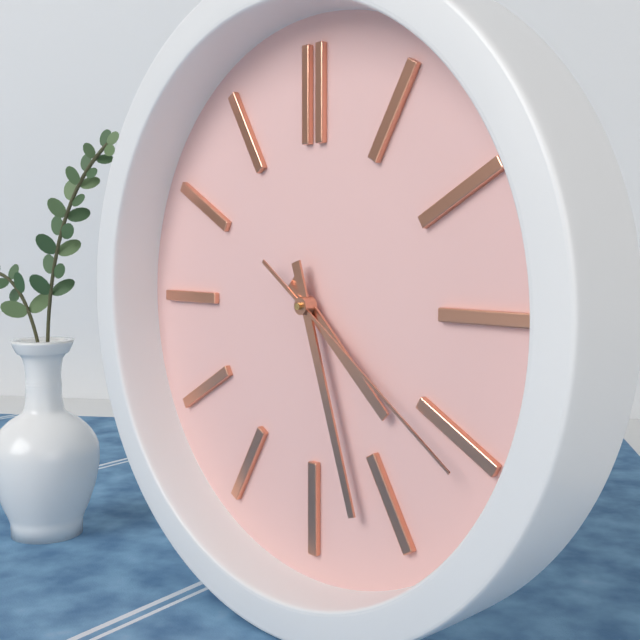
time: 4:27:21
